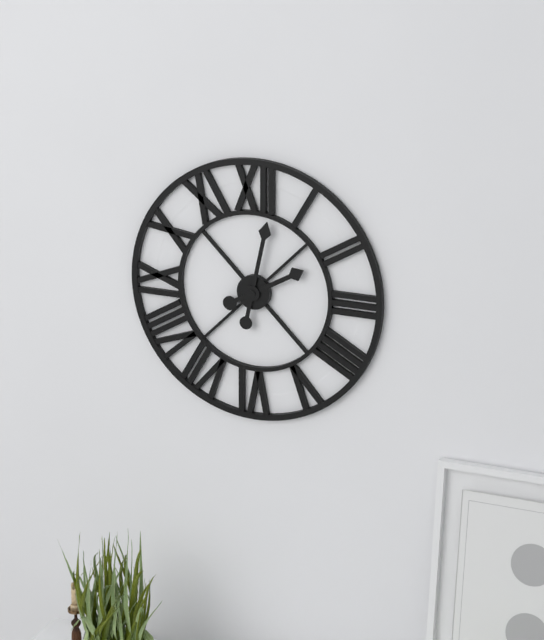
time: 2:02
